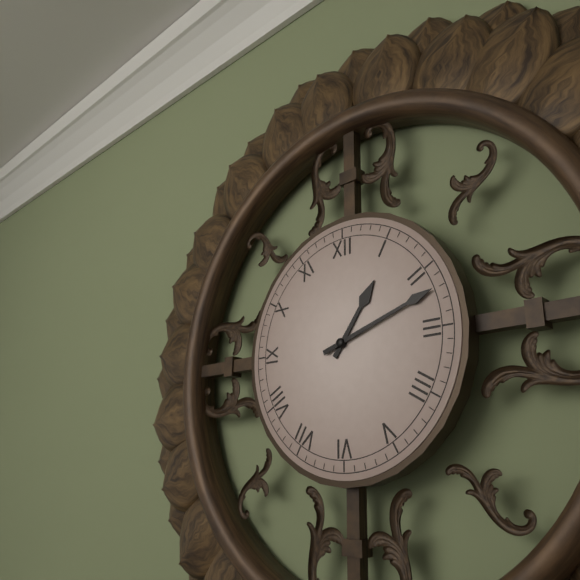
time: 1:12
